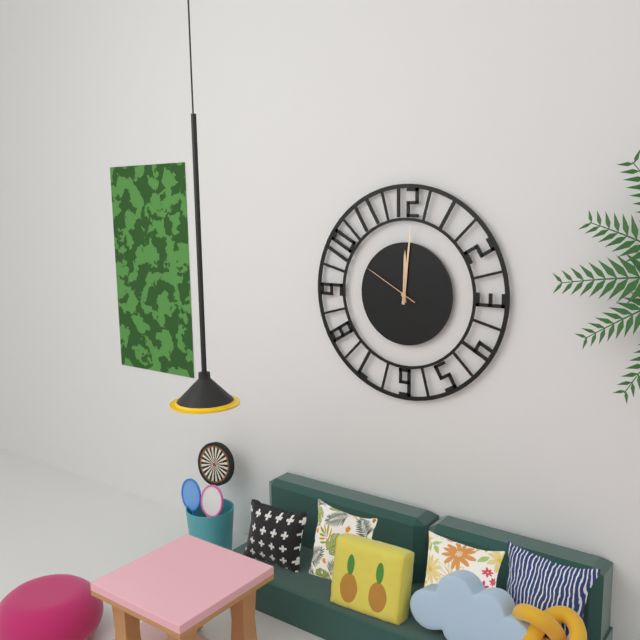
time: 12:01:50
